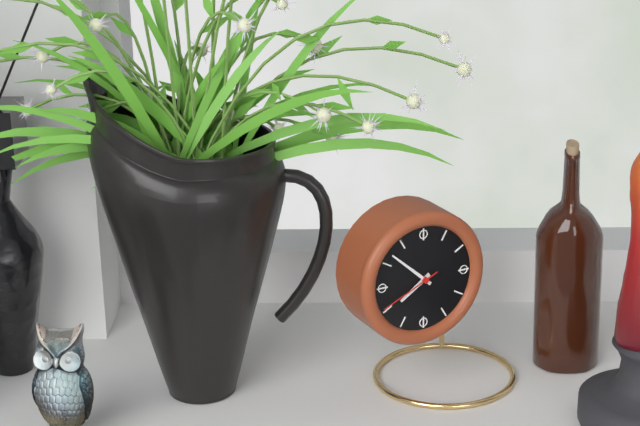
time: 7:52:41
